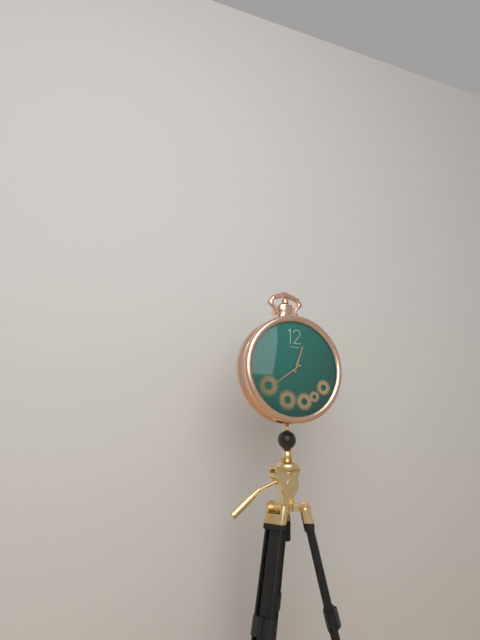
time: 12:39
